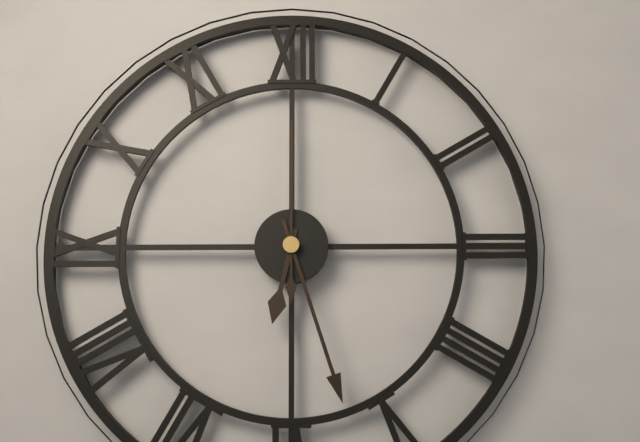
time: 6:27:00
